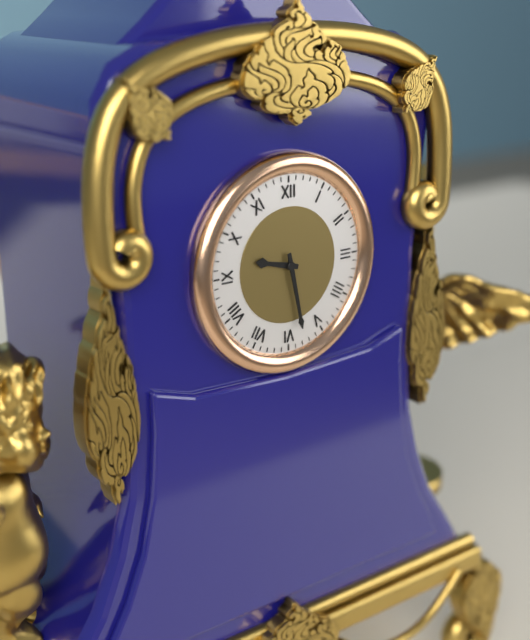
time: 9:28
